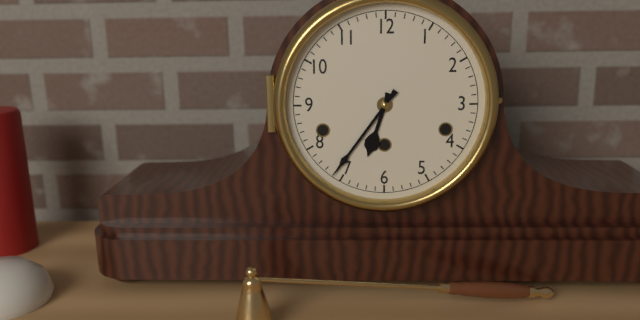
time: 6:36
